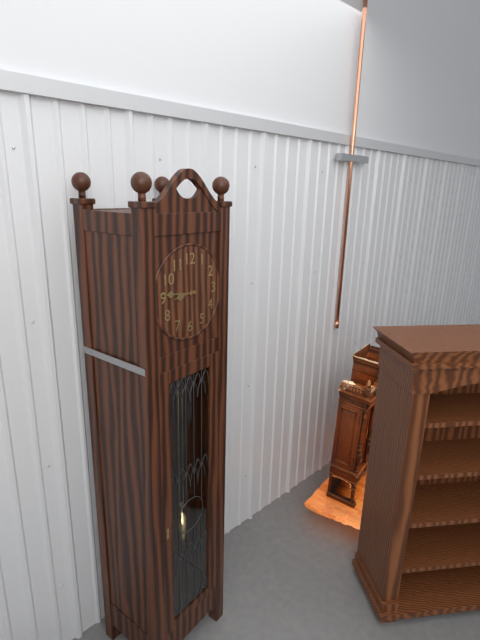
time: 8:46
